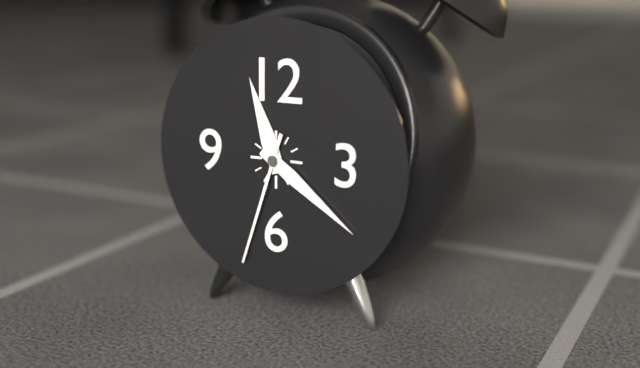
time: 11:21:33
